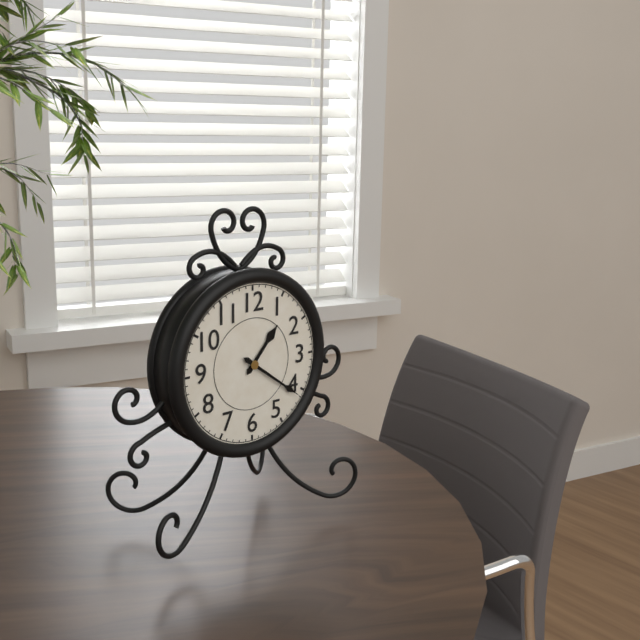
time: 1:21
